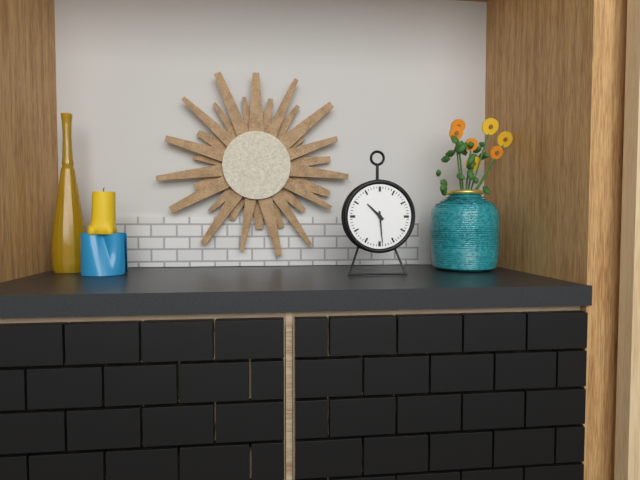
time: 10:29
